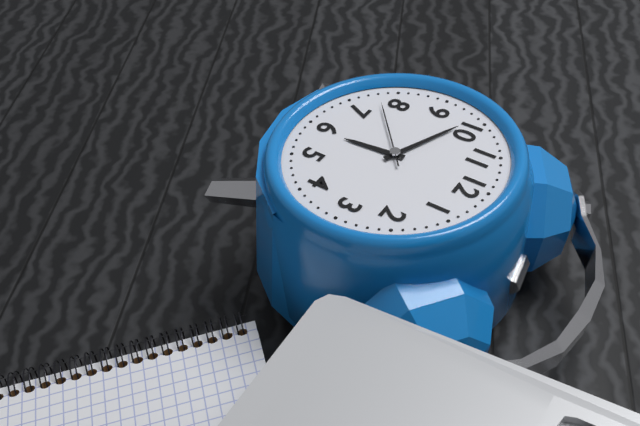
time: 5:49:38
